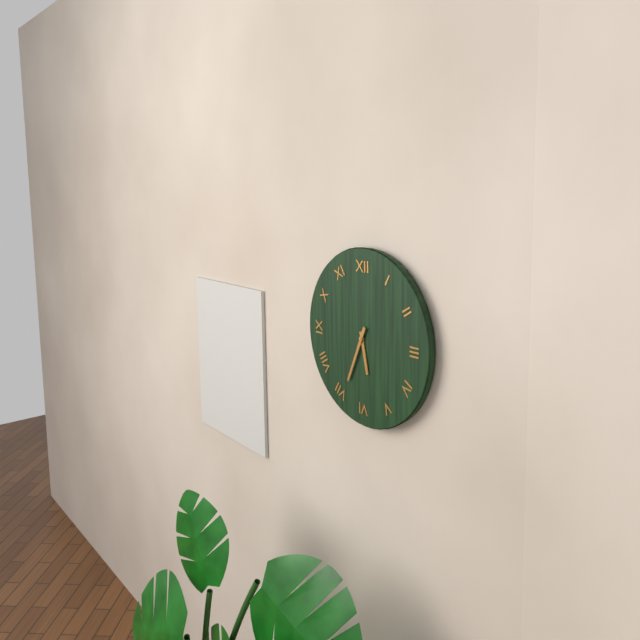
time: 5:34
